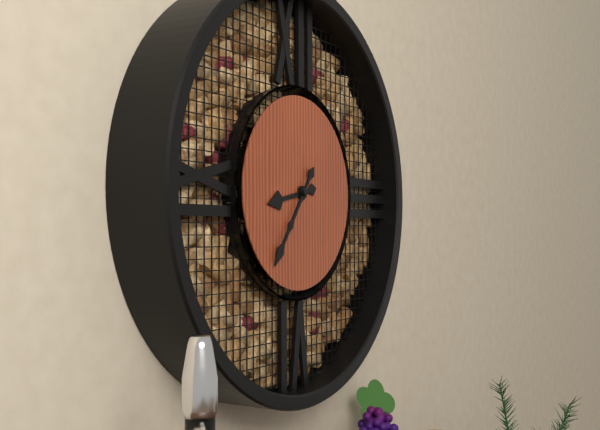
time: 8:36
